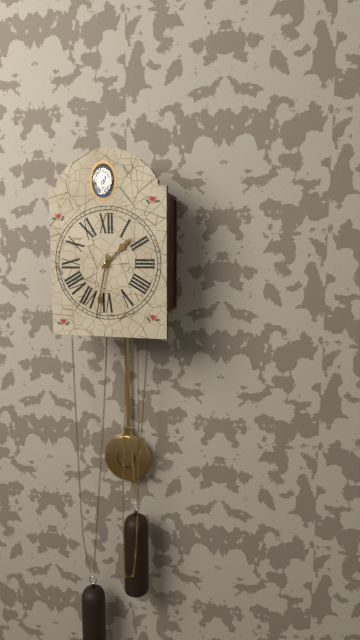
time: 1:32
